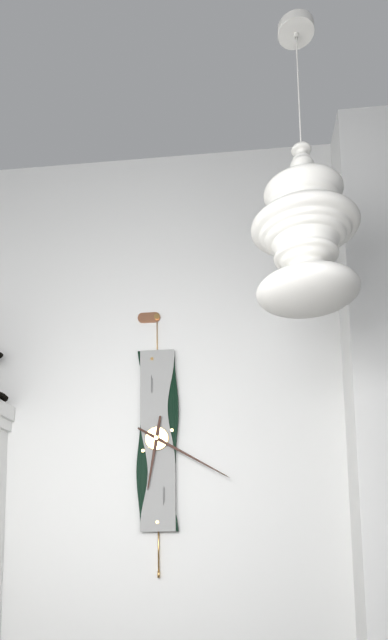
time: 6:20
